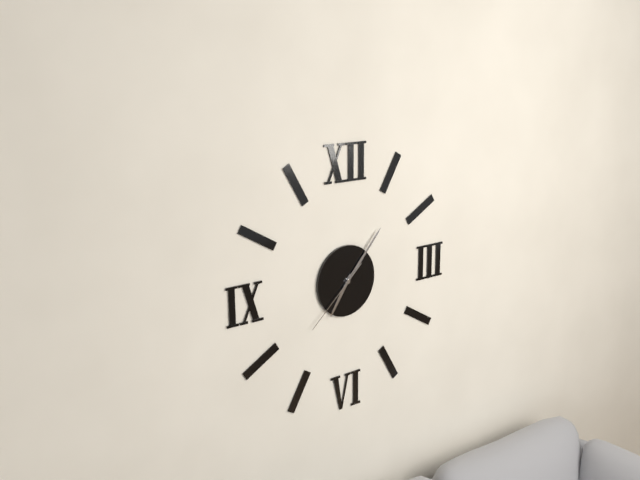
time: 7:07:38
